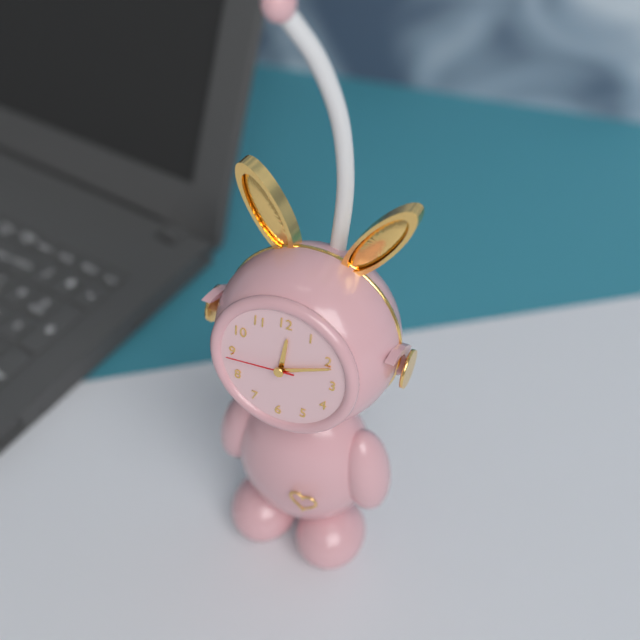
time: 12:11:44
